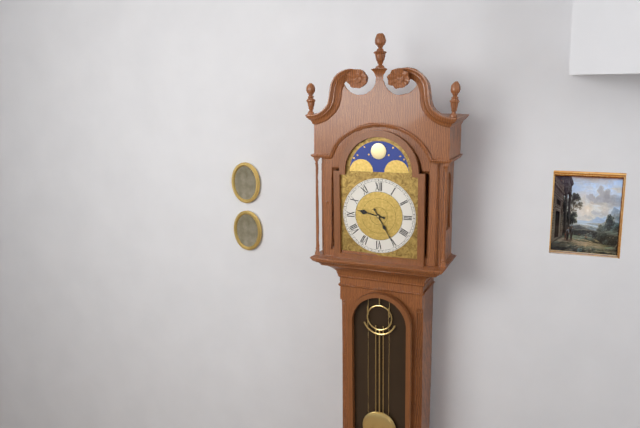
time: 9:25
